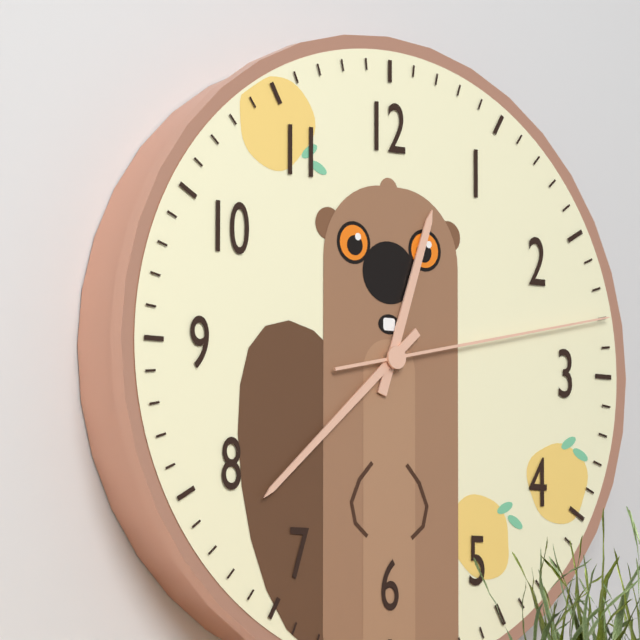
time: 12:38:13
